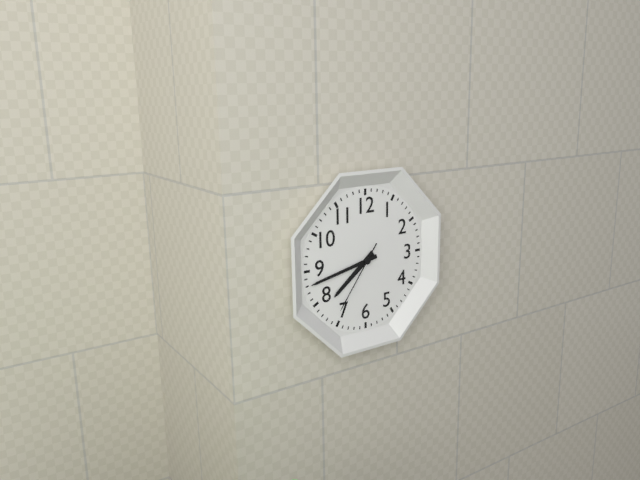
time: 7:43:36
